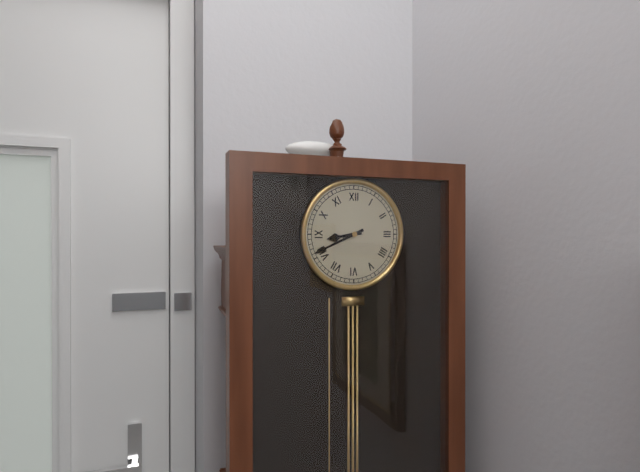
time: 8:41
